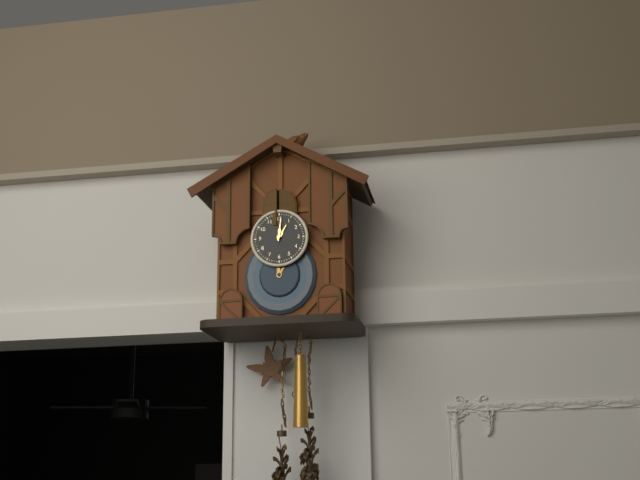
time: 1:01
